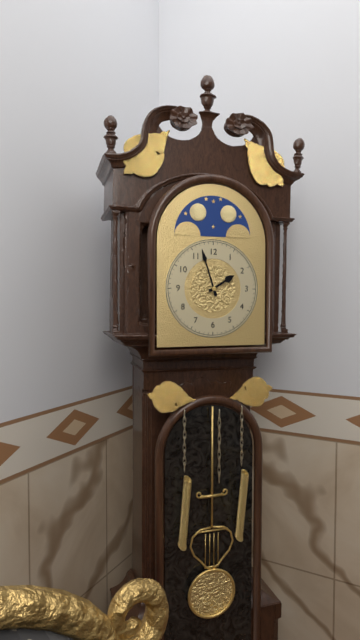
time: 1:57
